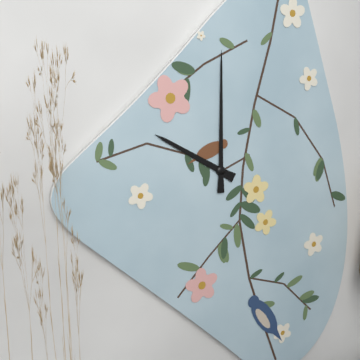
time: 10:00
